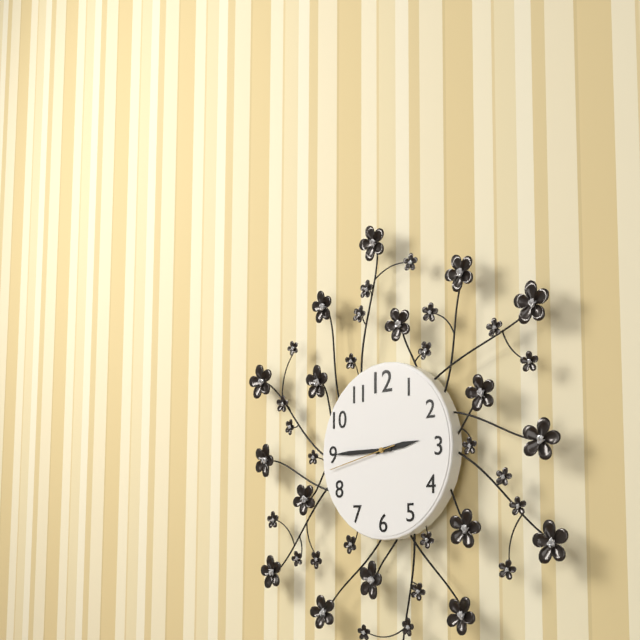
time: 2:45:43
